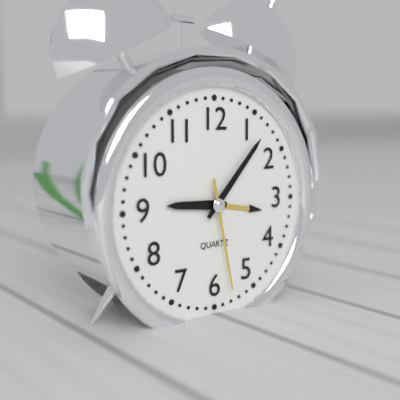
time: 9:07:28
